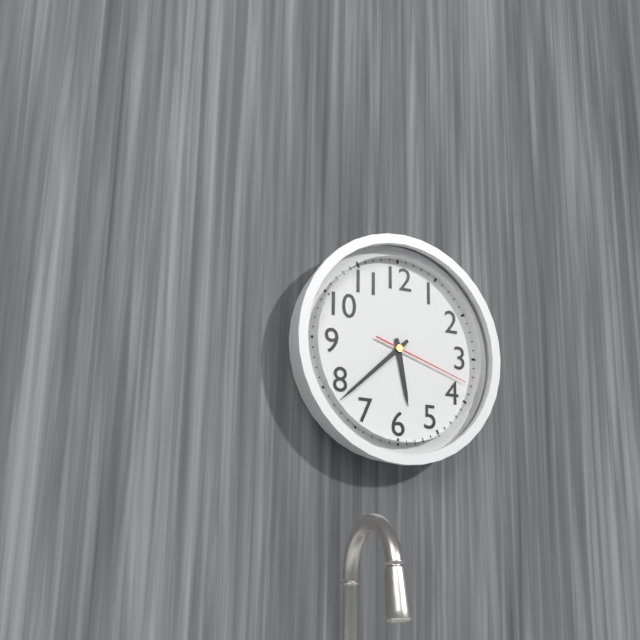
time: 5:38:18
